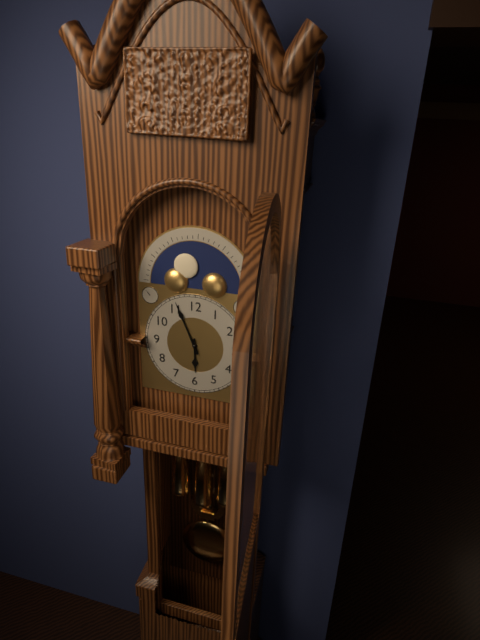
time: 5:56
